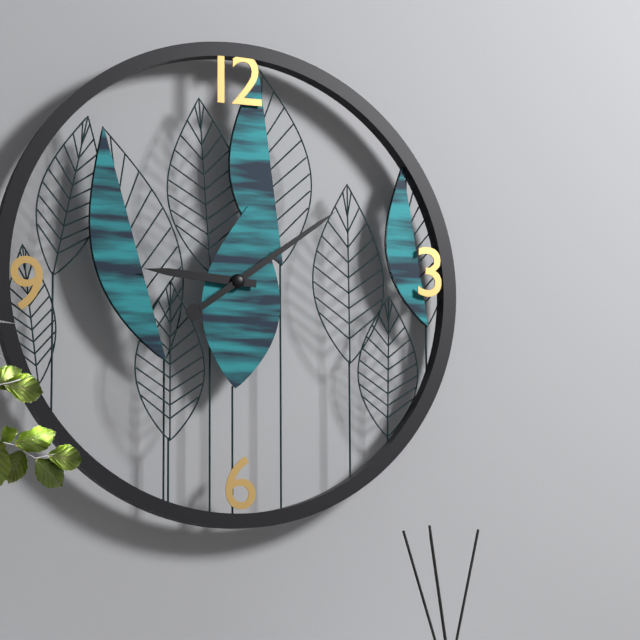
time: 9:09
